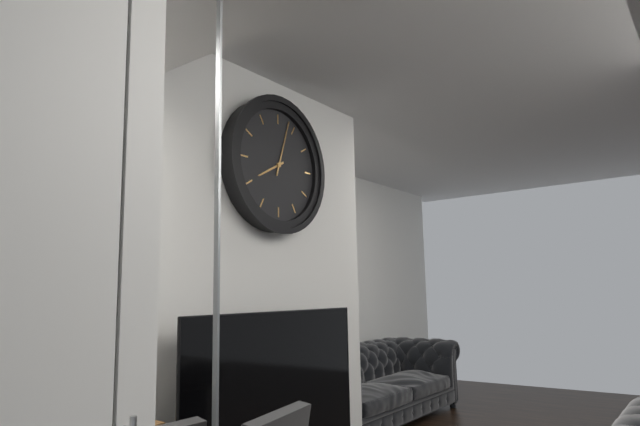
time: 8:03
